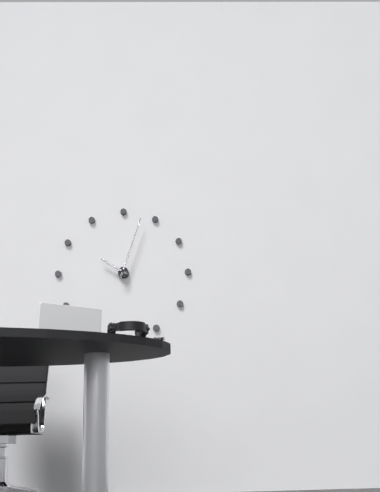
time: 10:03
